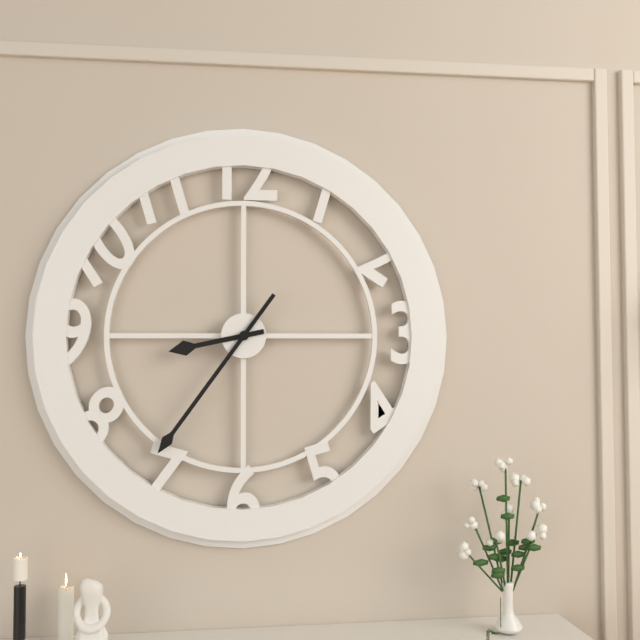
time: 8:36
